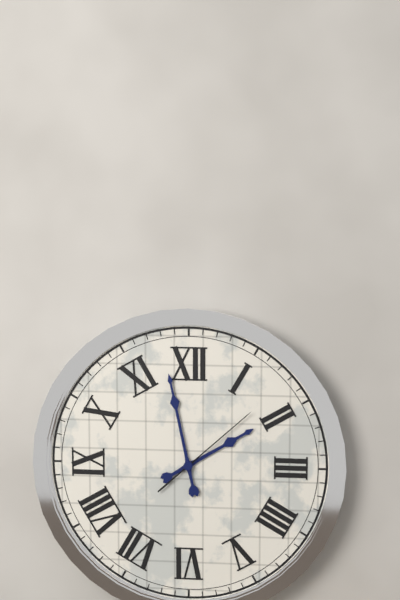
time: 1:58:08
